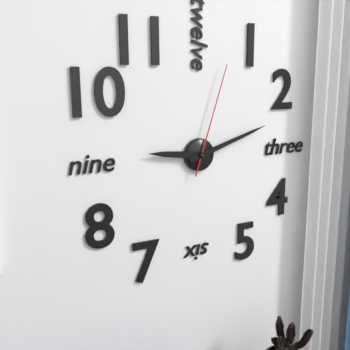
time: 9:12:03
